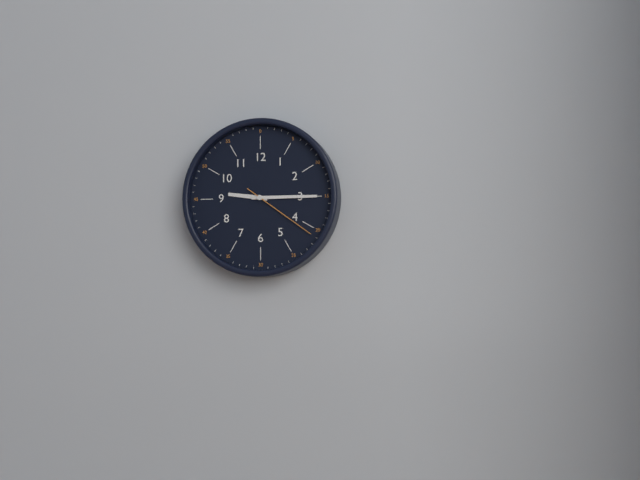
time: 9:15:21
